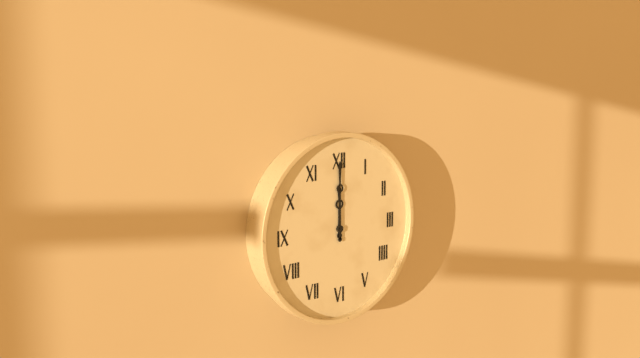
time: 12:00
